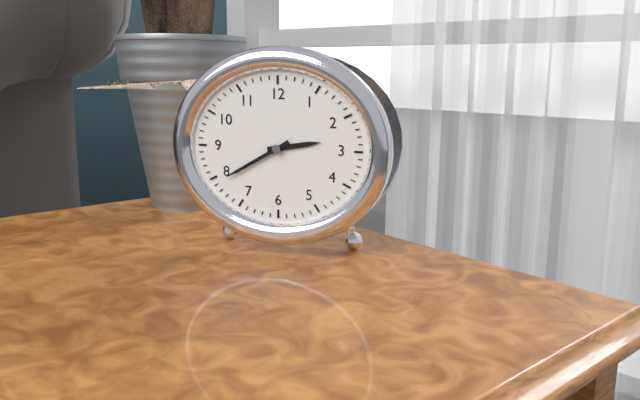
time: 2:40
